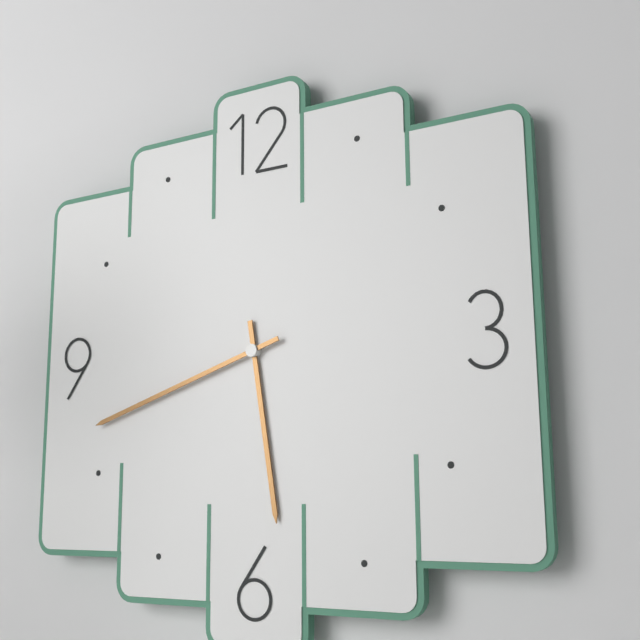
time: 5:42
